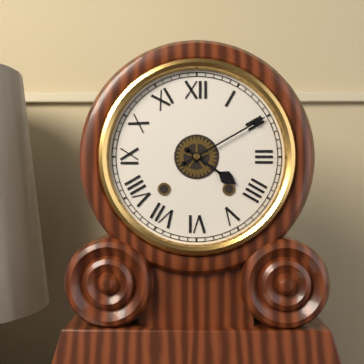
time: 4:10
